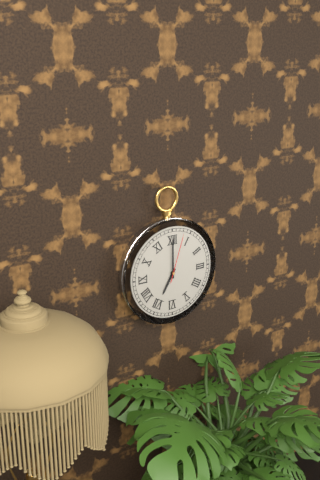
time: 7:00:03
